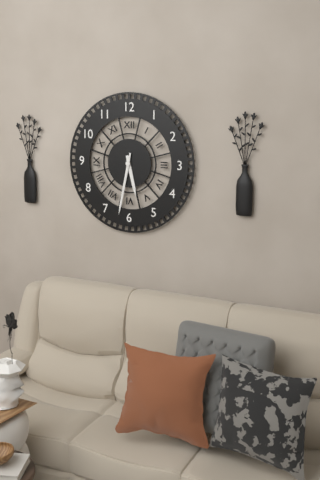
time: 5:32
